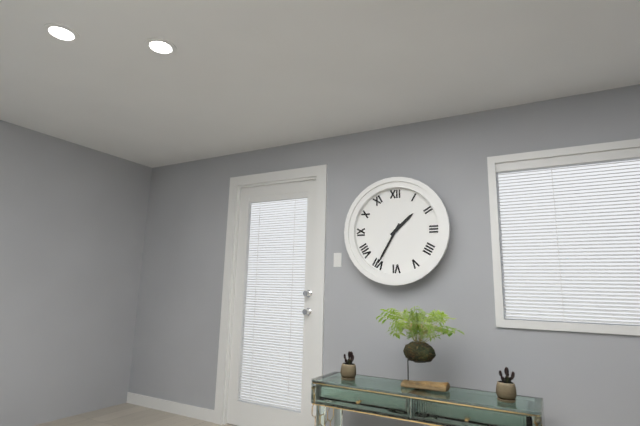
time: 1:35
